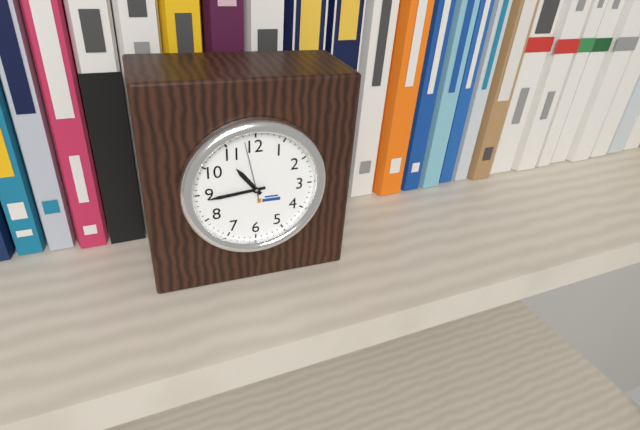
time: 10:44
